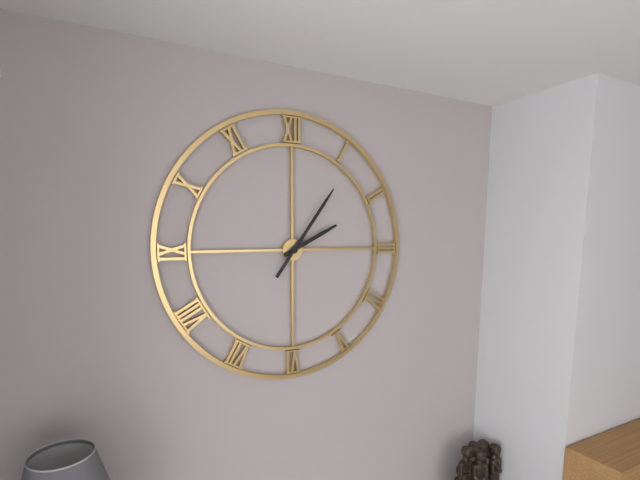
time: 2:06
